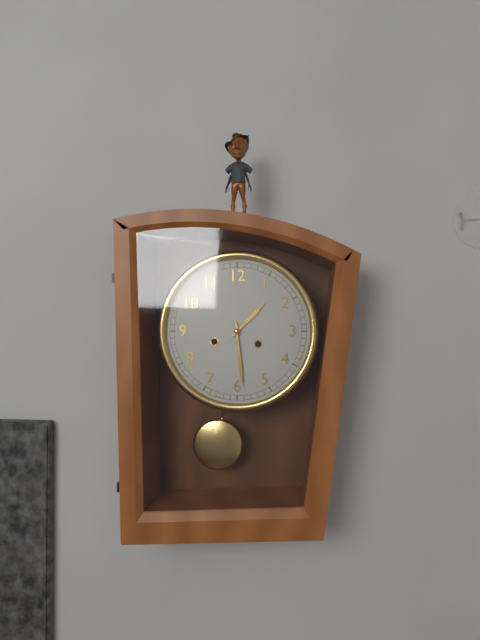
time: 1:29
